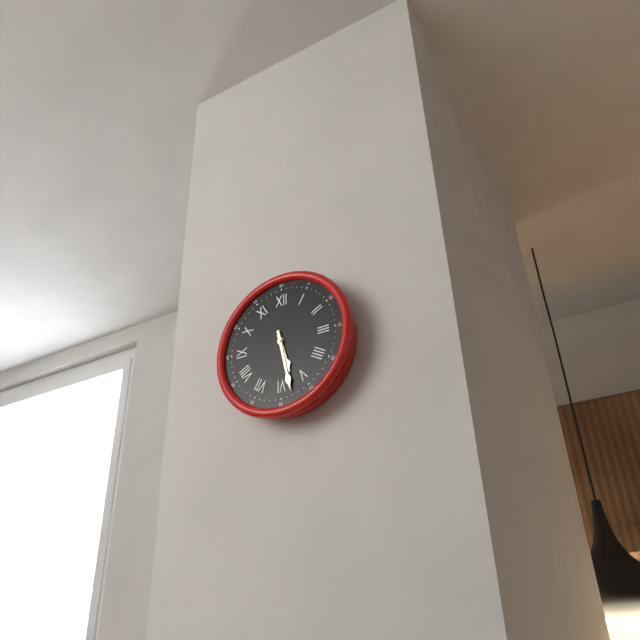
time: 5:28
